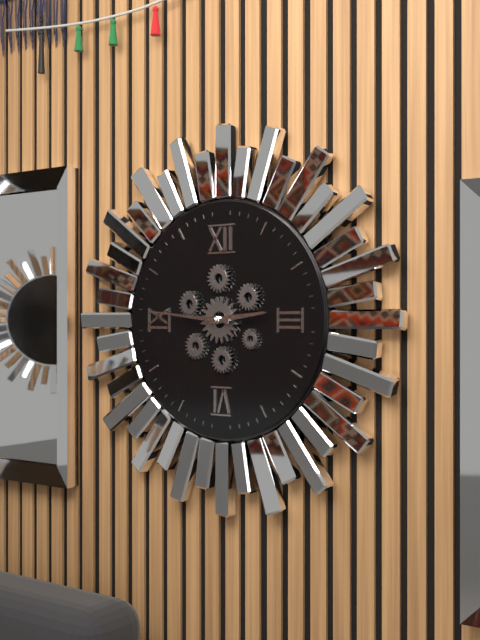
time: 2:46
